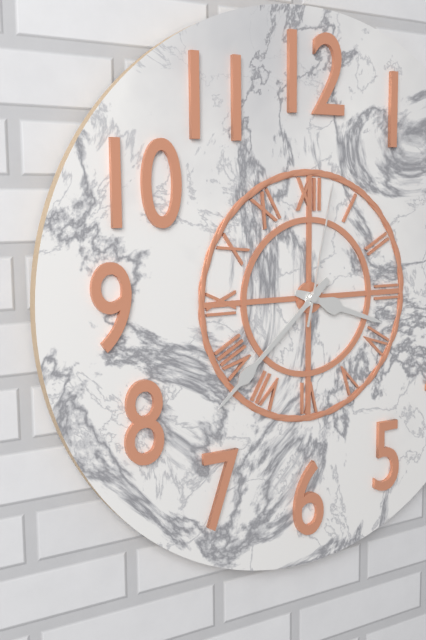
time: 3:38:02
